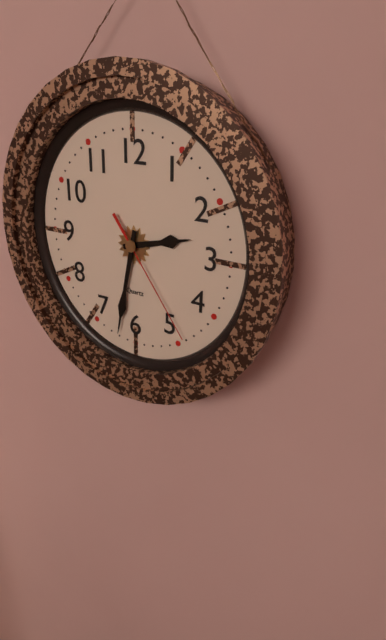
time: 2:32:24
